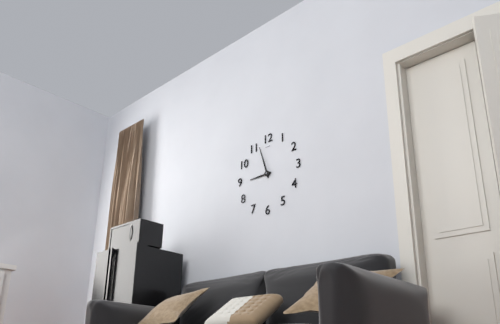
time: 8:57
